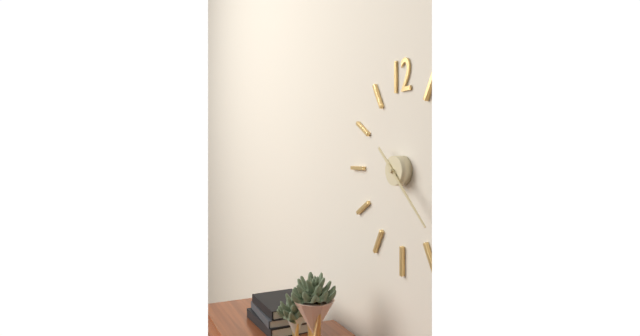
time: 10:22
